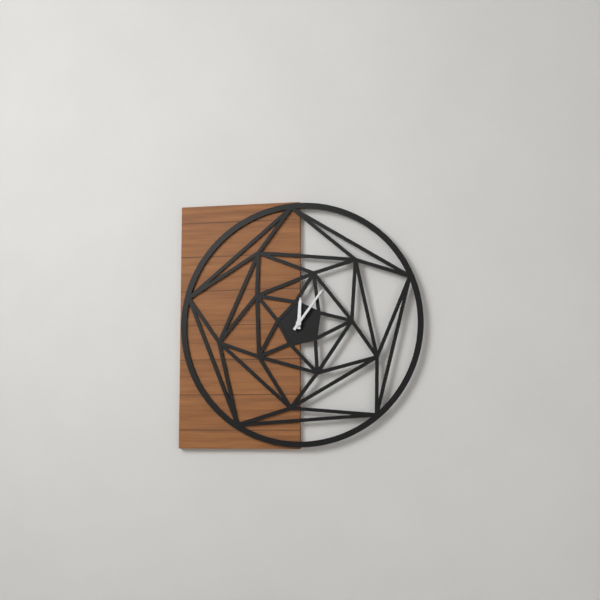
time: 12:06
